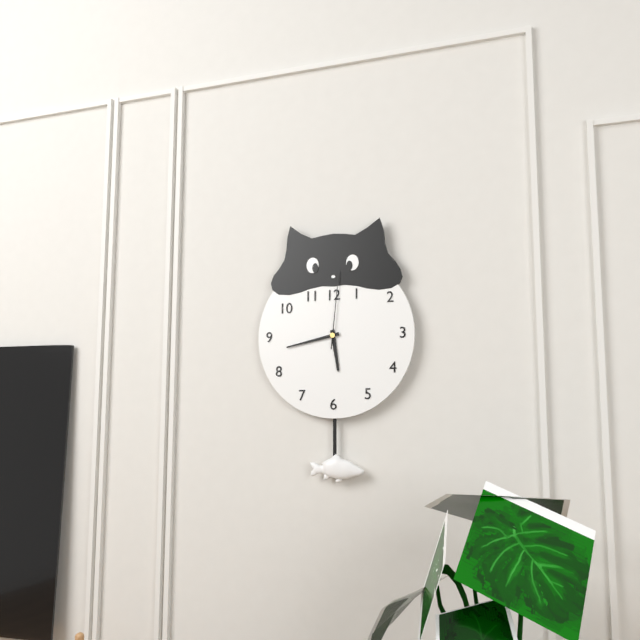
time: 5:43:01
